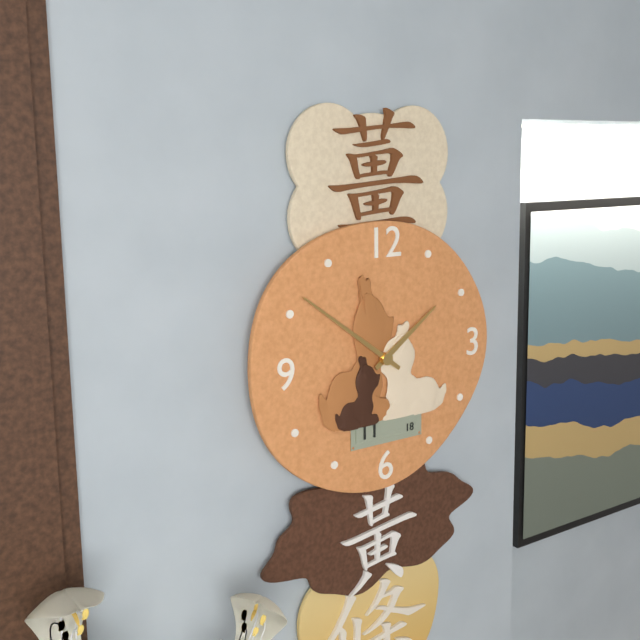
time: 1:51
